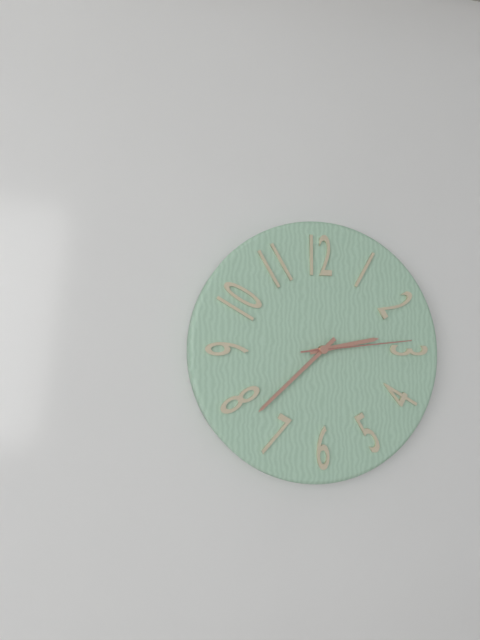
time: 2:38:14
